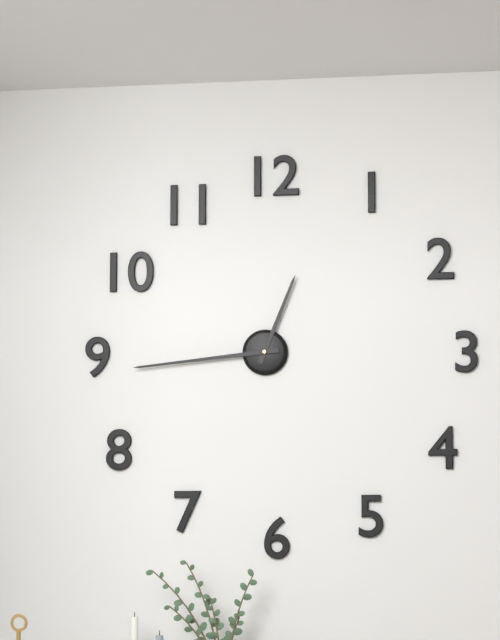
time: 12:44
